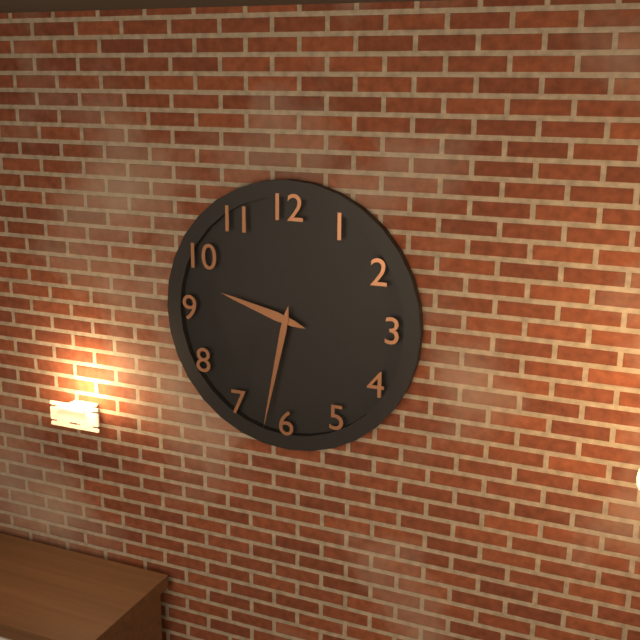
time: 9:32
